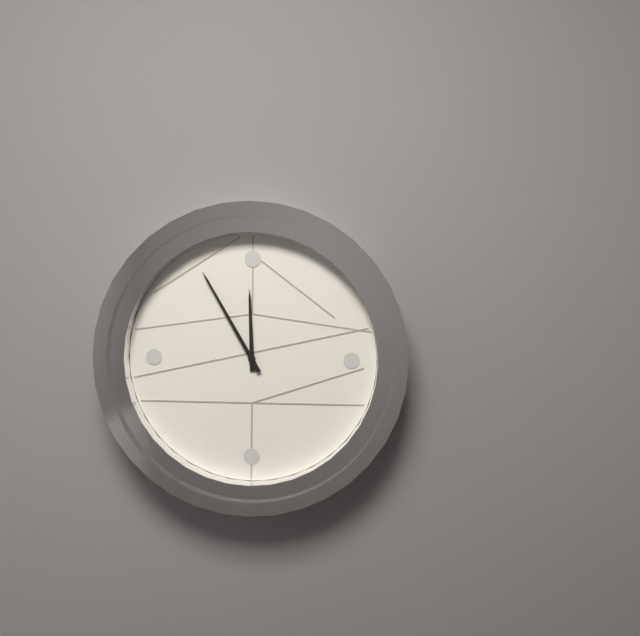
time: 11:55
